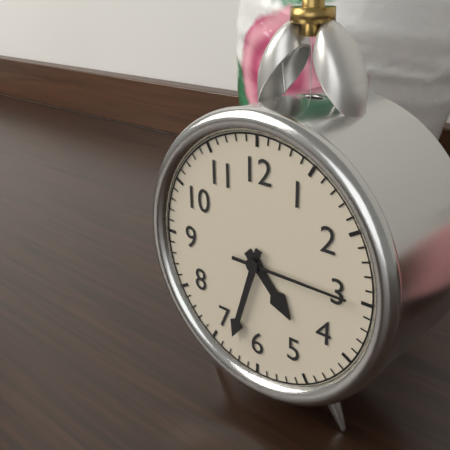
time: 4:33:15
